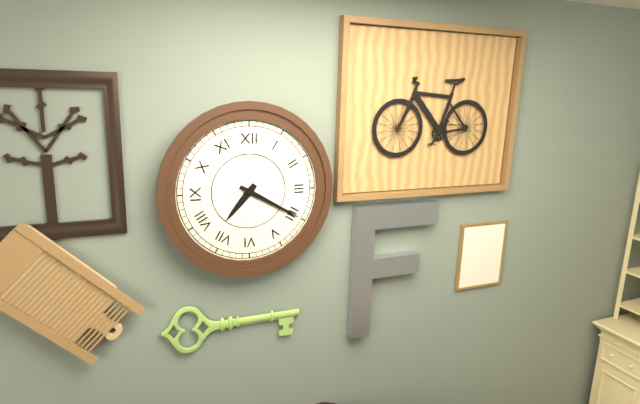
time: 7:20
